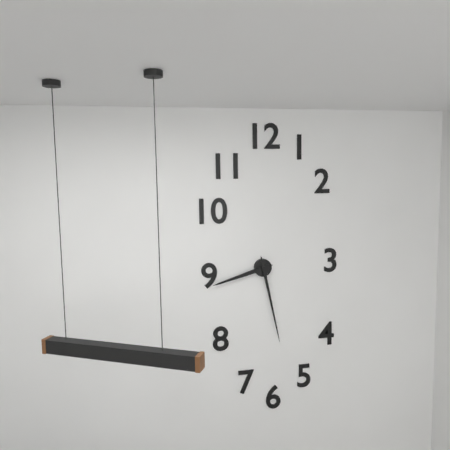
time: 8:28
